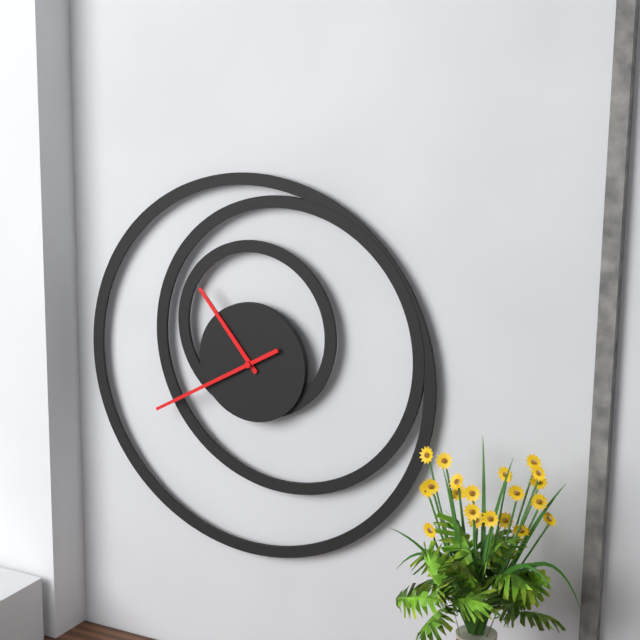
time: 10:40
